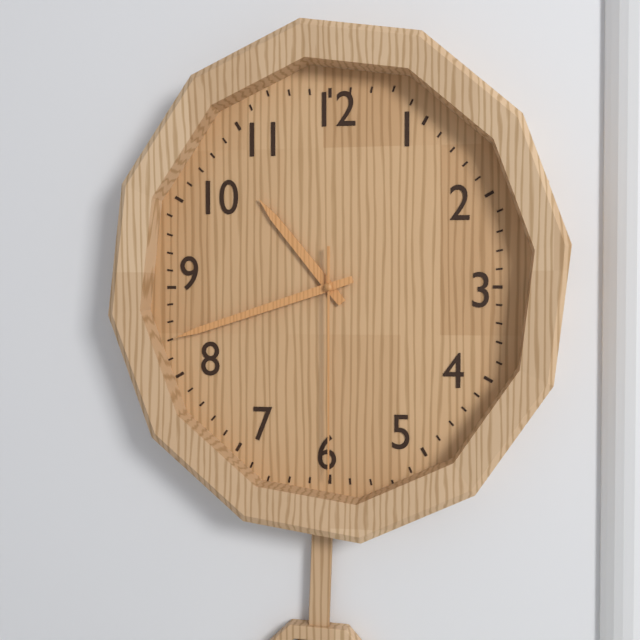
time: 10:42:30
